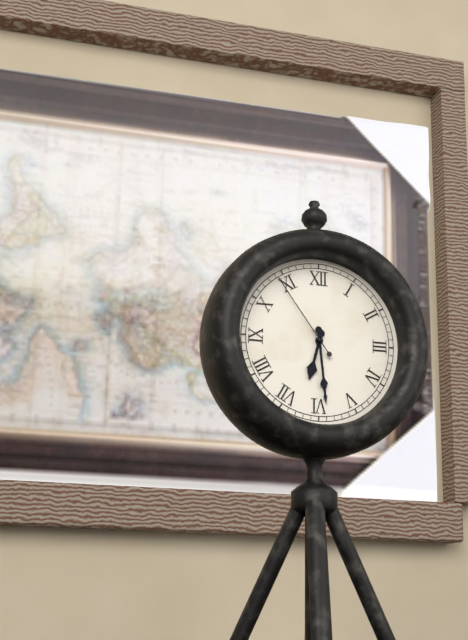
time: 6:29:54
